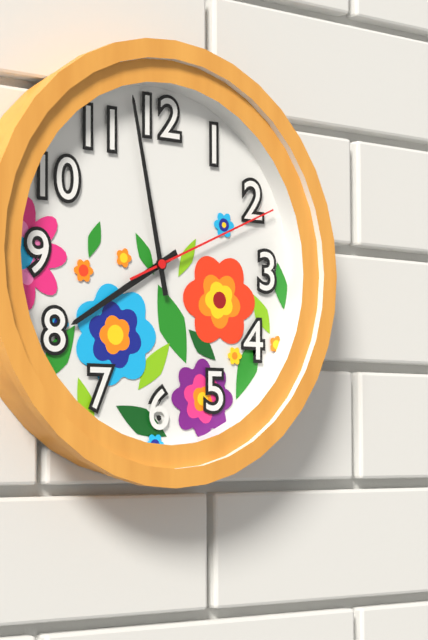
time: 7:58:11
